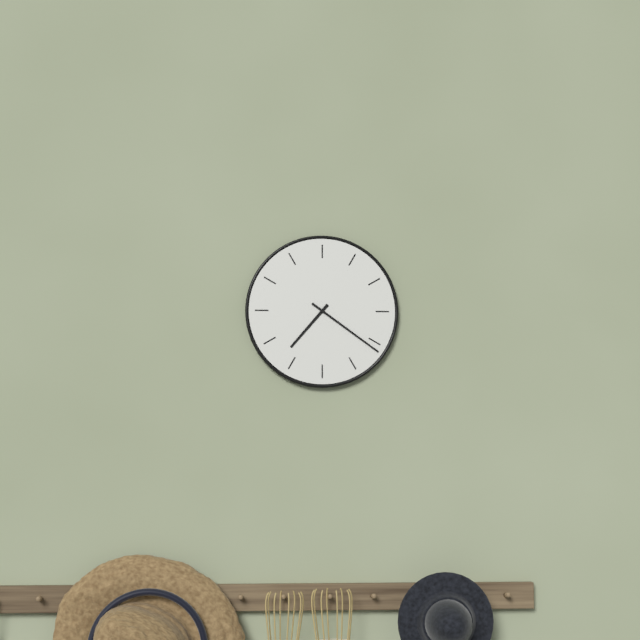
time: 7:21
